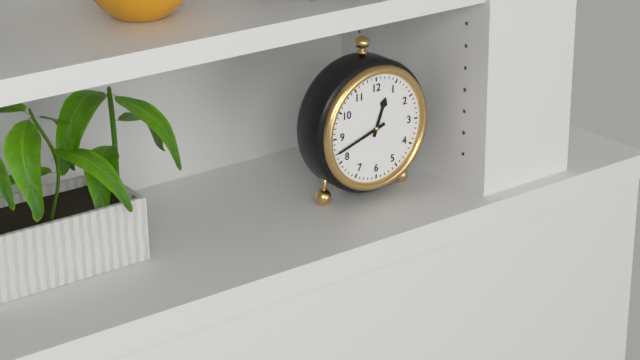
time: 12:42
